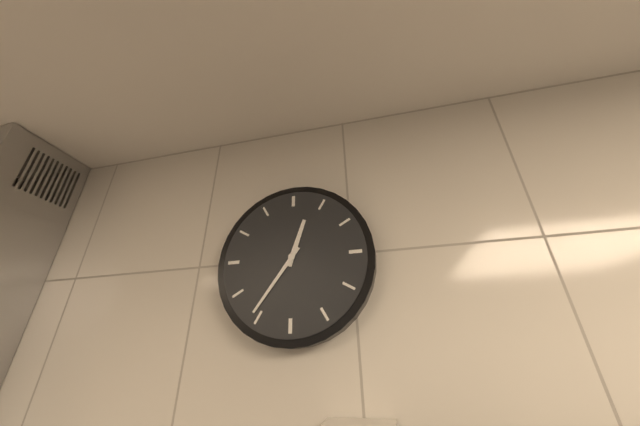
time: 12:36
